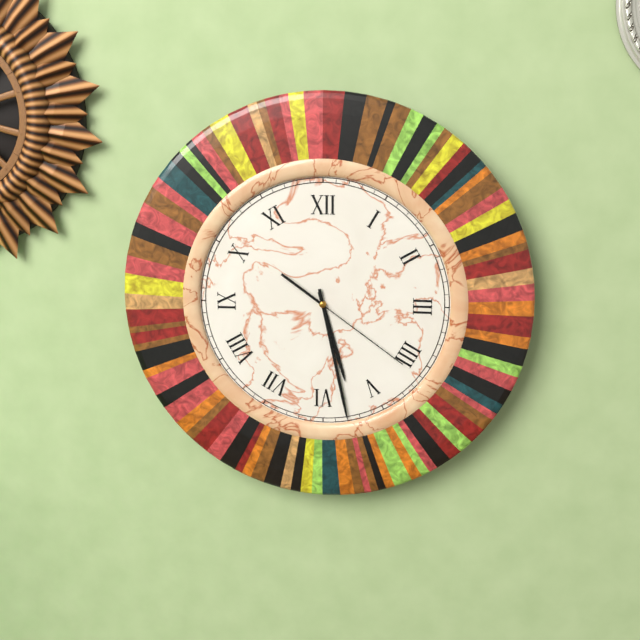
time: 5:28:21
